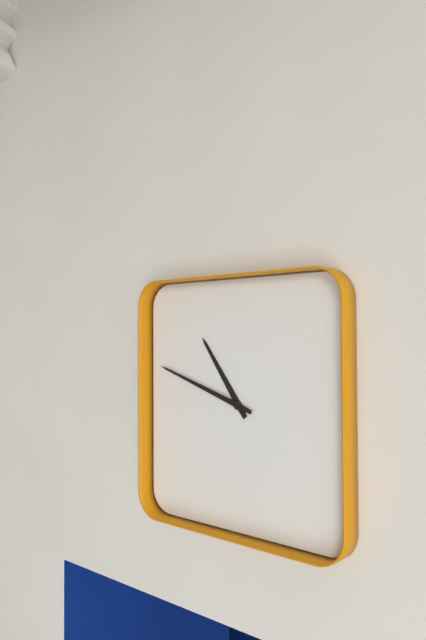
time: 10:48
